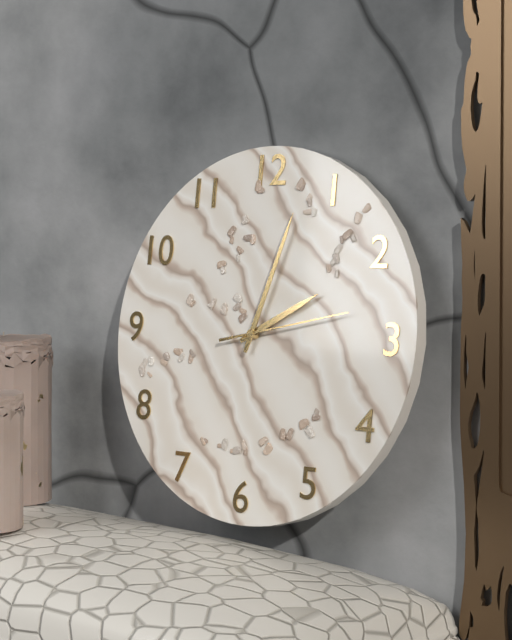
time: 2:03:13
